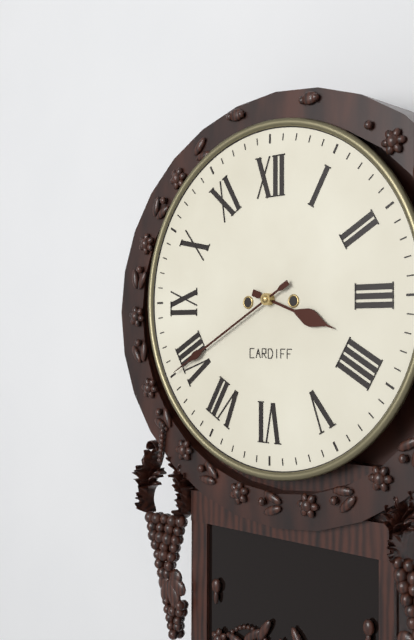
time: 3:40
